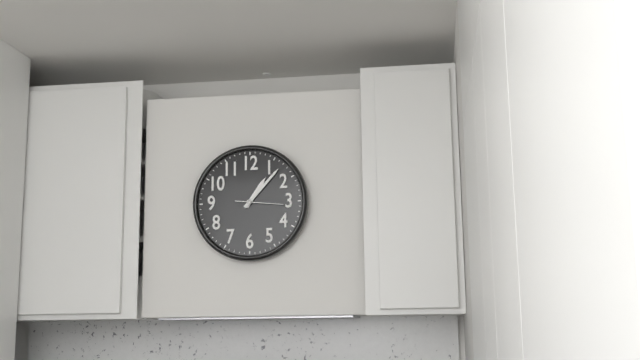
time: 1:07
